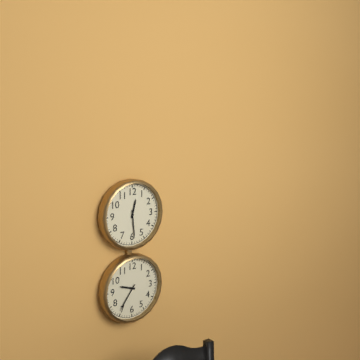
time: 12:29
